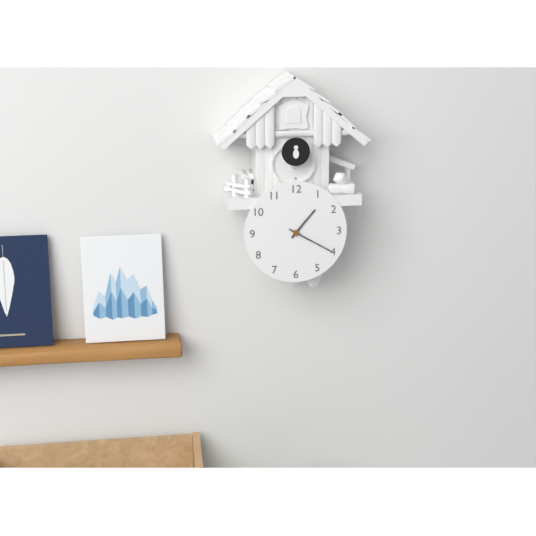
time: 1:20
